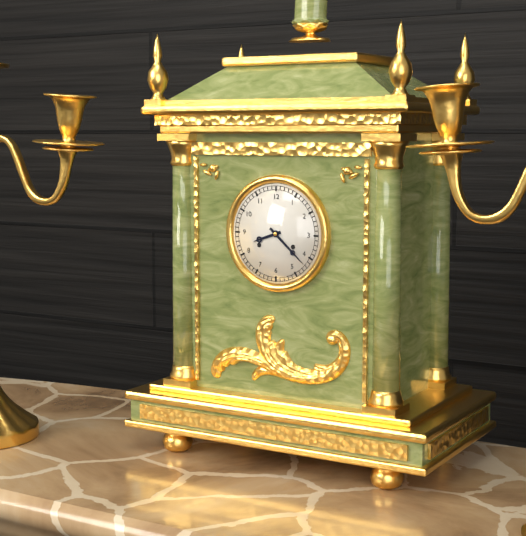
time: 8:22
